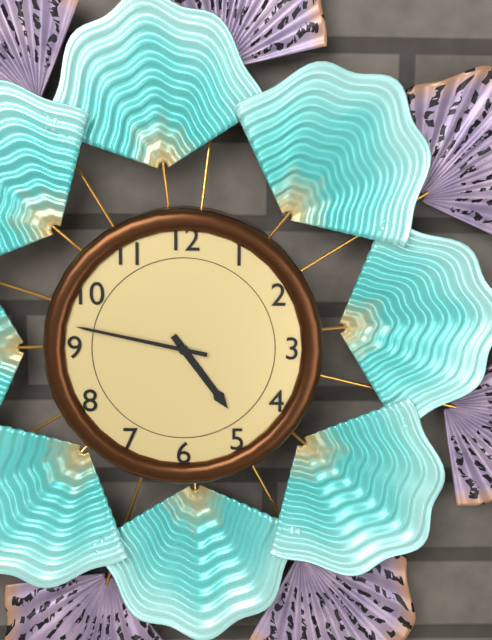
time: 4:47
